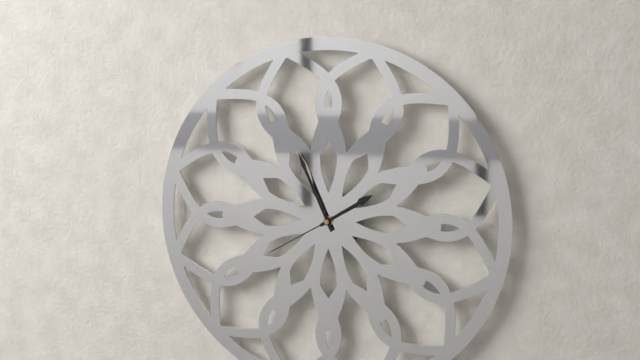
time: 1:56:40
